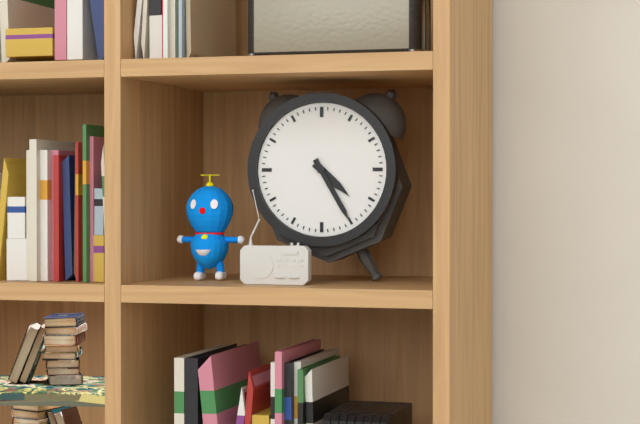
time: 4:25
